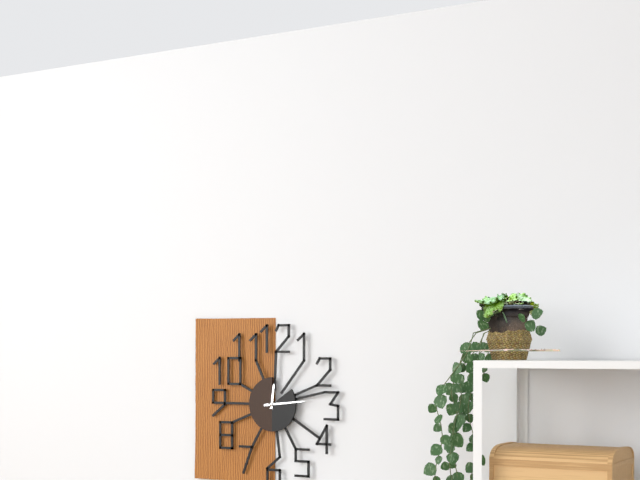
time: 12:14
